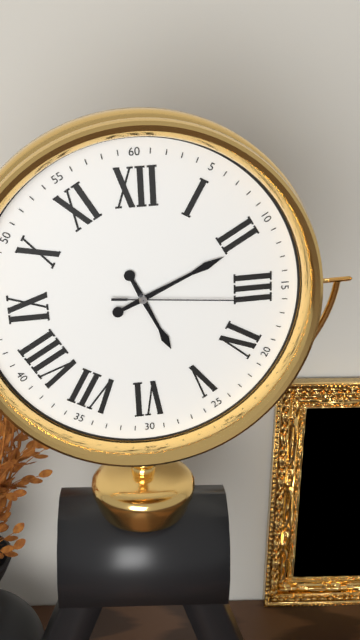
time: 5:11:16
